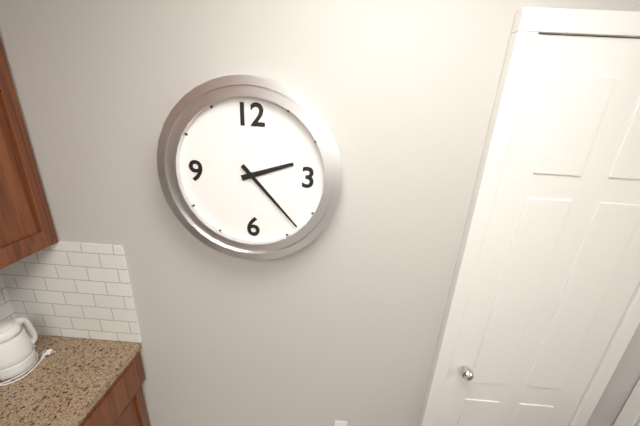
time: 2:23
